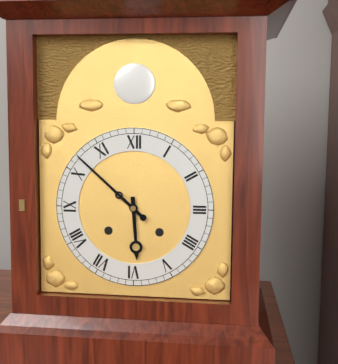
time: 5:52
